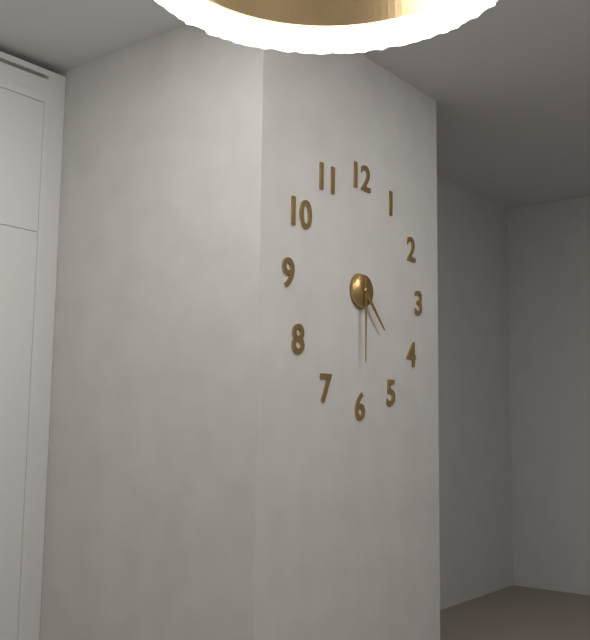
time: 4:30
